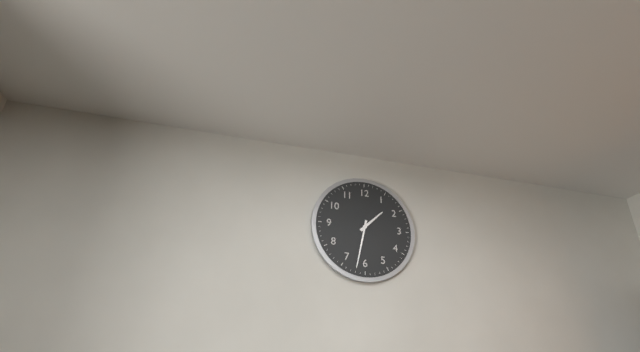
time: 1:32
